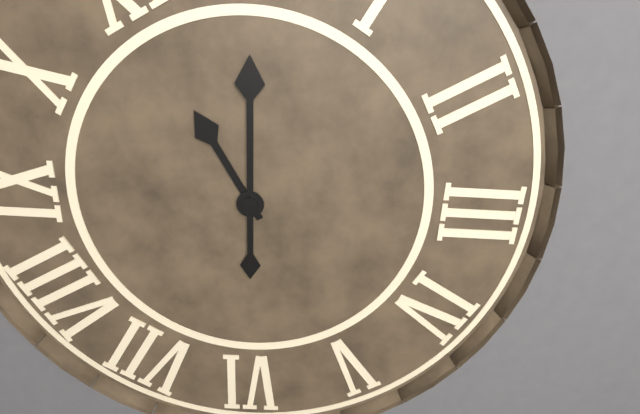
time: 11:00
